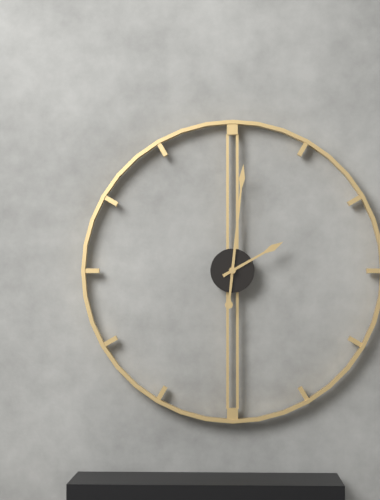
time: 2:01
